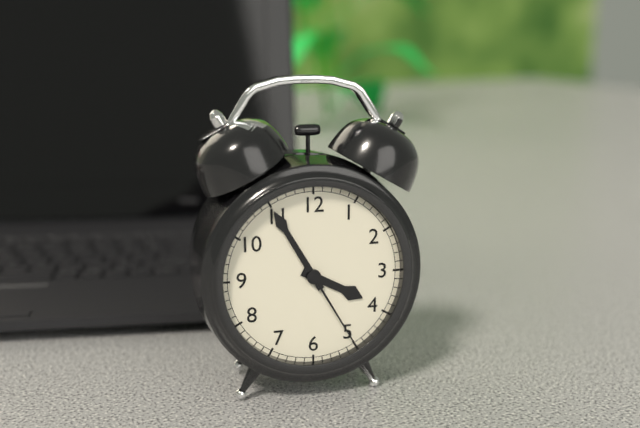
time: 3:55:25
